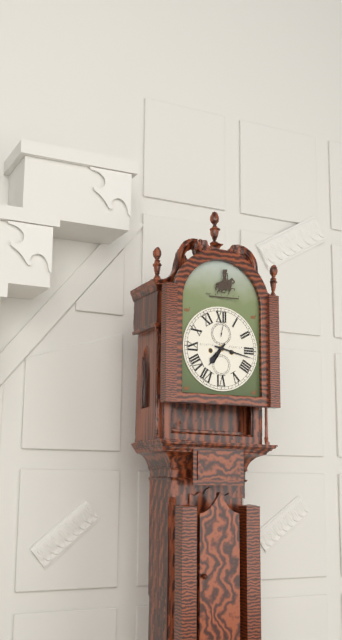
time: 7:17
